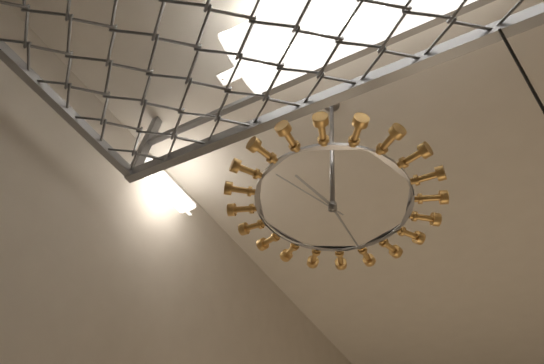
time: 11:30:56
